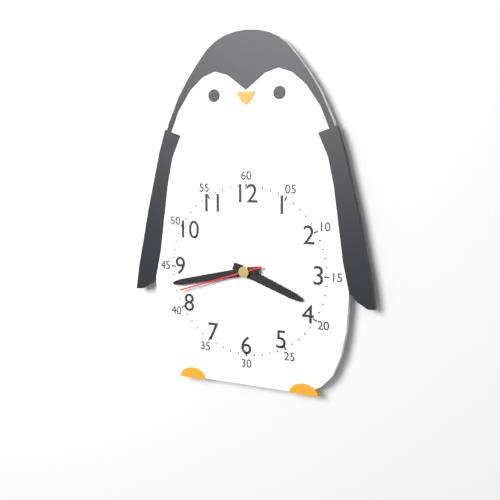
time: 3:43:42
